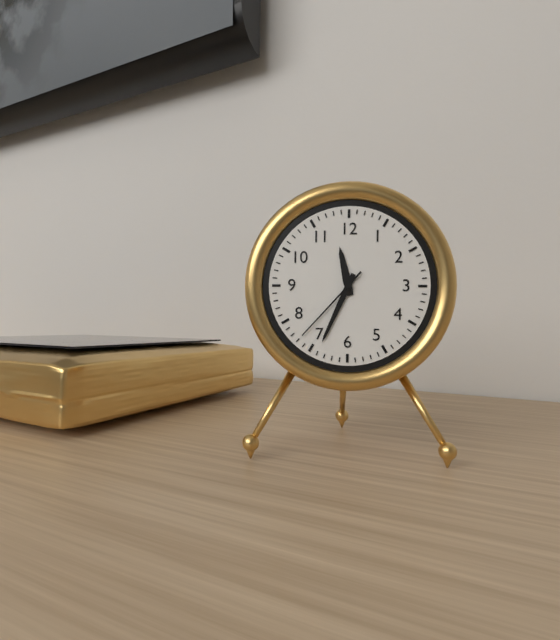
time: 11:34:37
